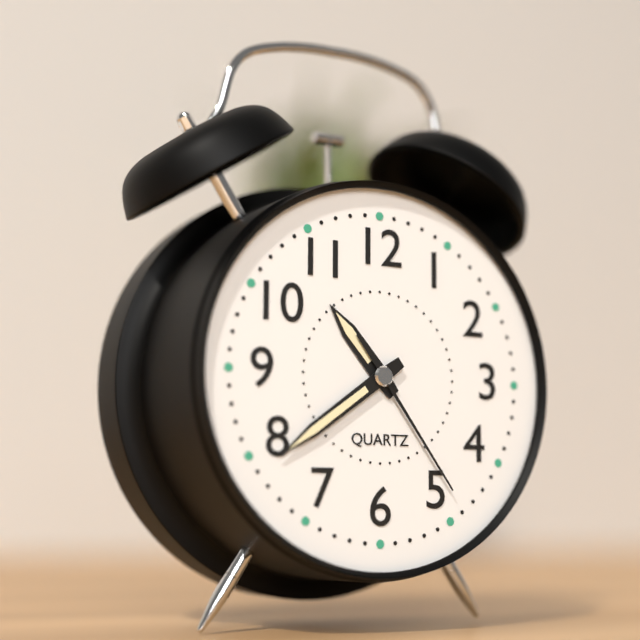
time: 10:39:24
